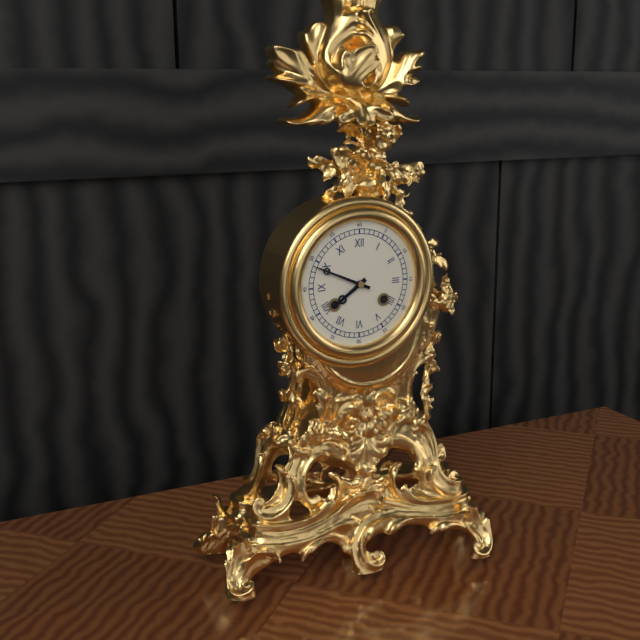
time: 7:49
